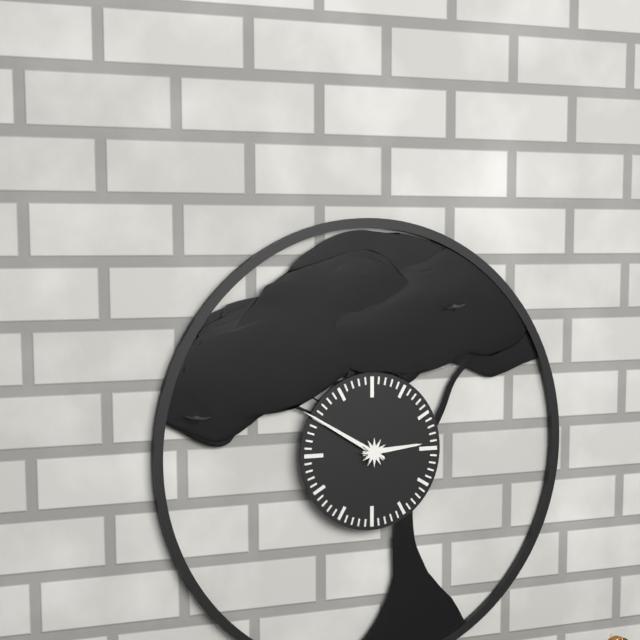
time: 2:50
